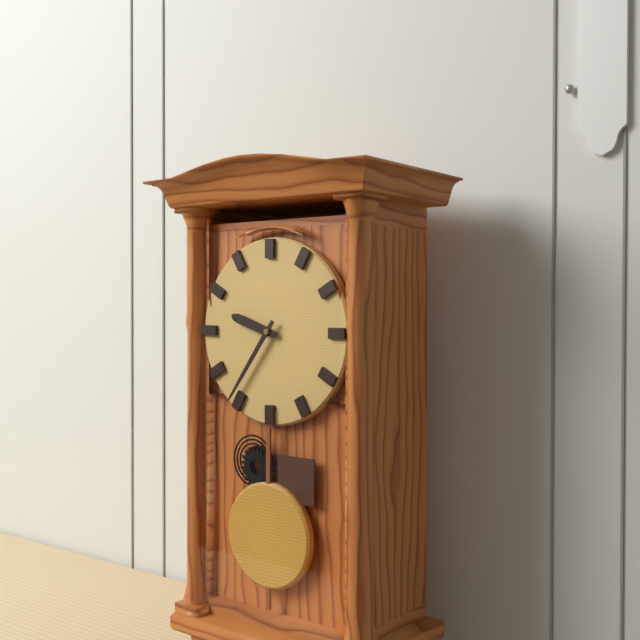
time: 9:36
